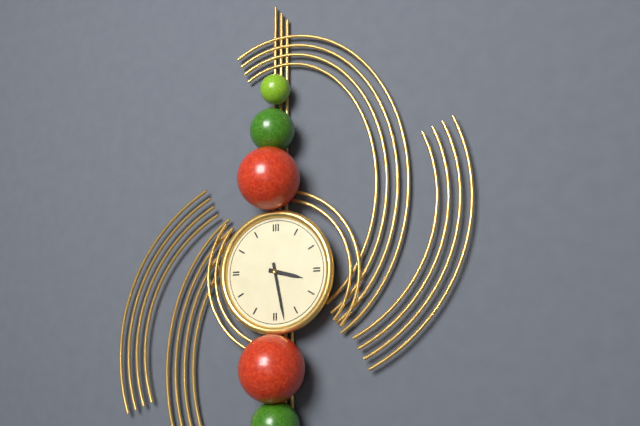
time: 3:28
